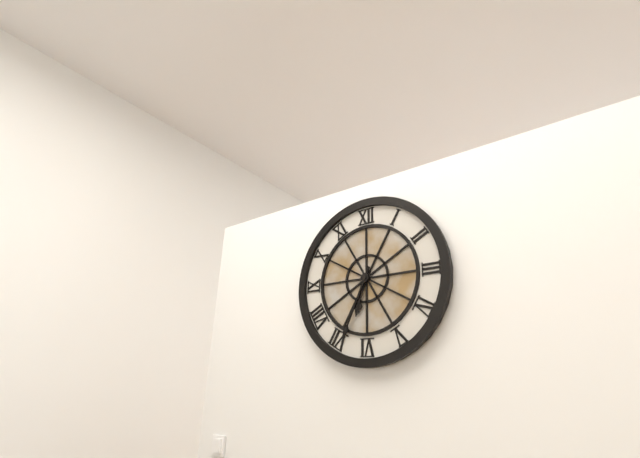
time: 6:34
